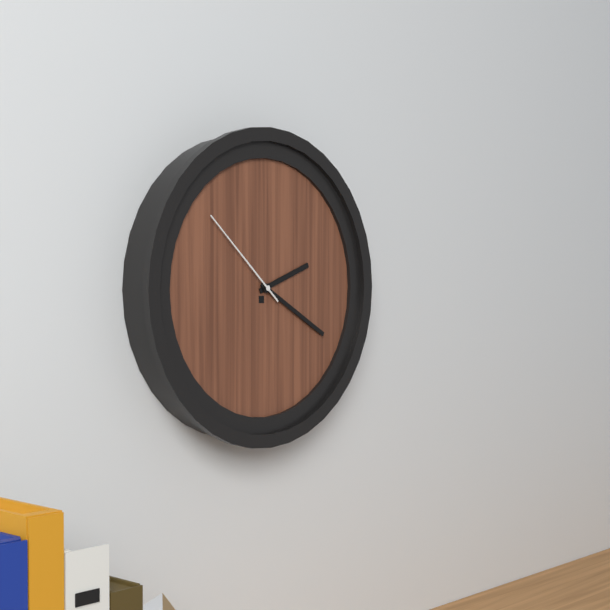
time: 2:20:52
